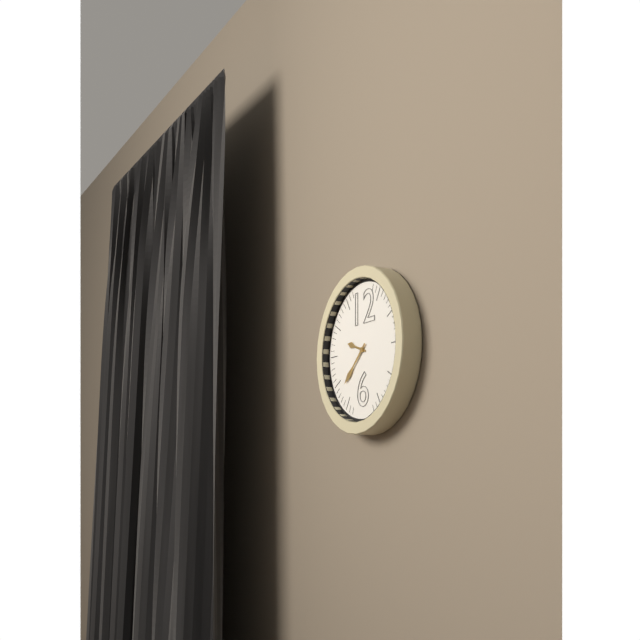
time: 9:38
